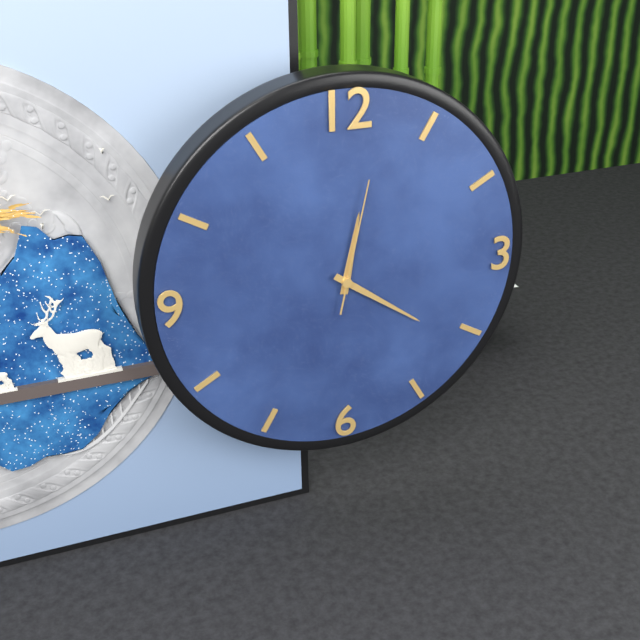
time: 12:21:02
